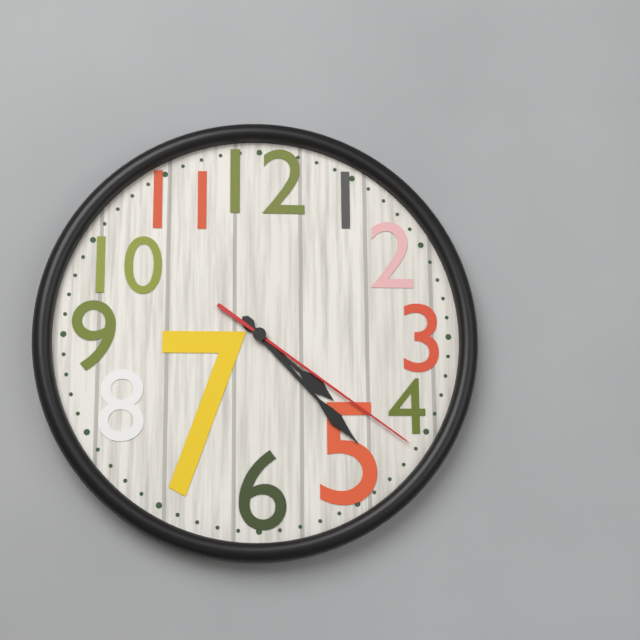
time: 4:23:21
